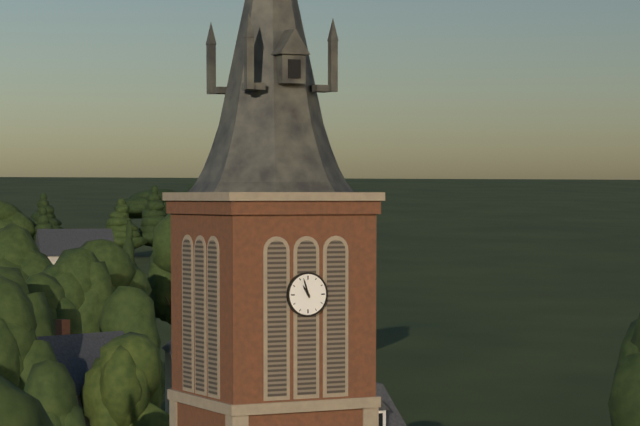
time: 10:57
